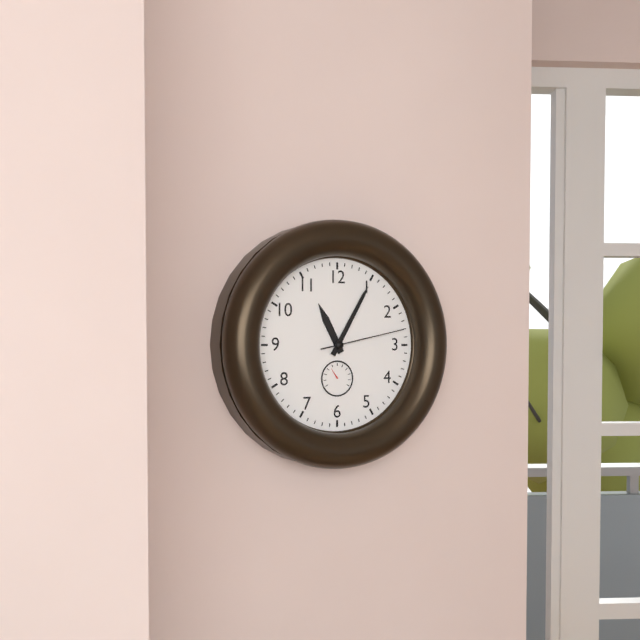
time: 11:05:13
